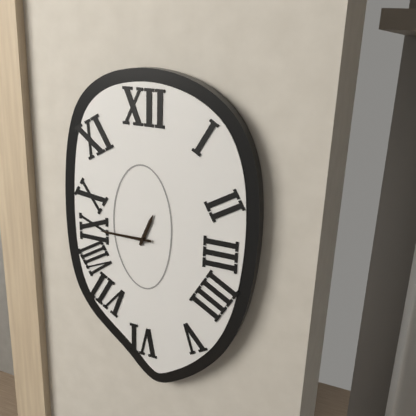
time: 12:45
